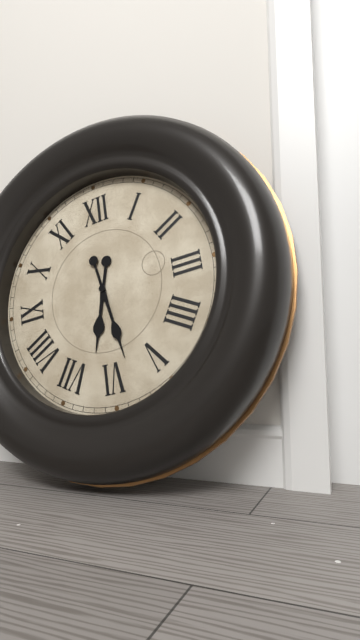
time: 6:28
